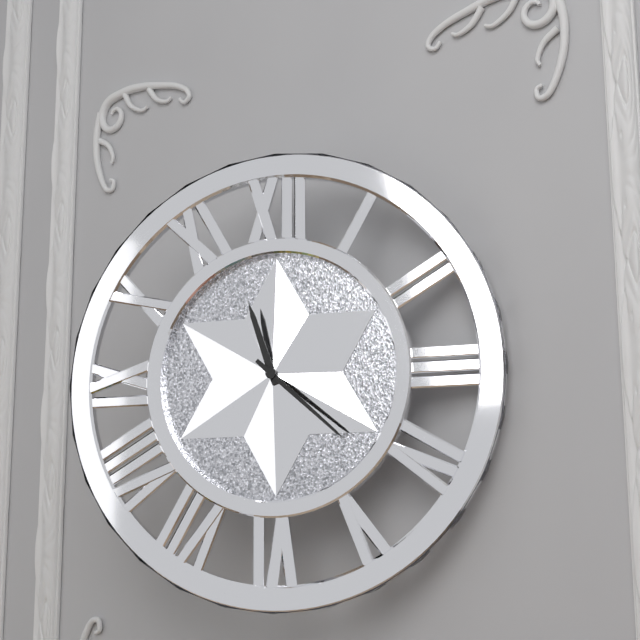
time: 11:22
